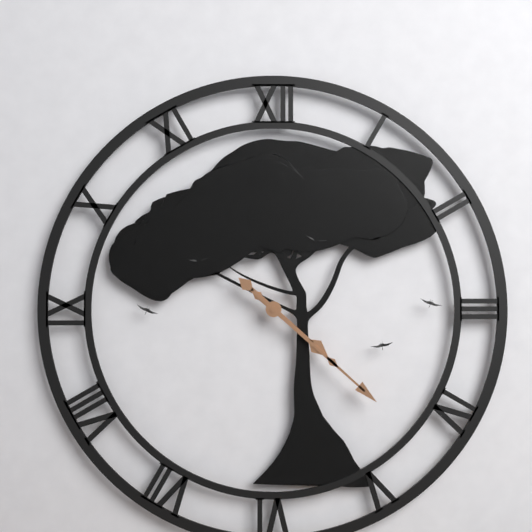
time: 4:22
